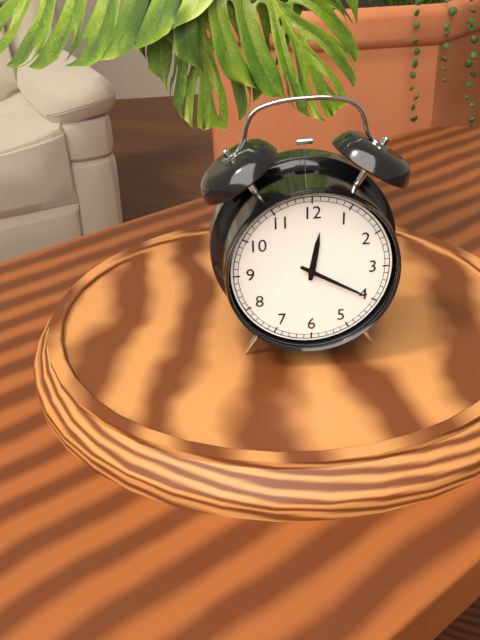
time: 12:20
